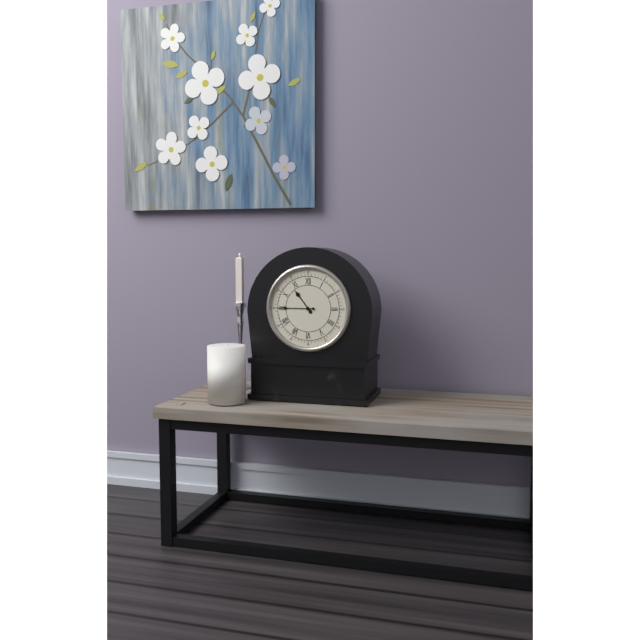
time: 10:45
